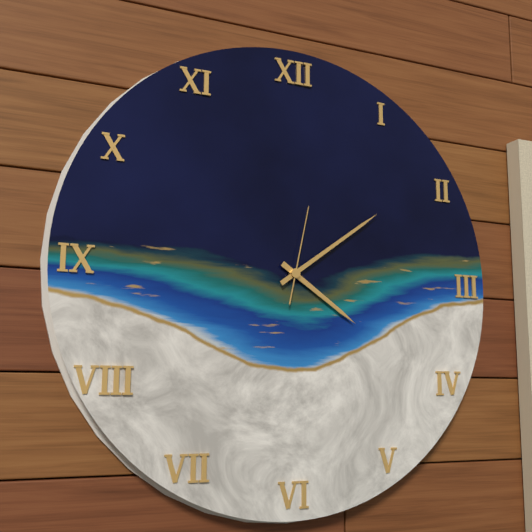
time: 4:09:02
